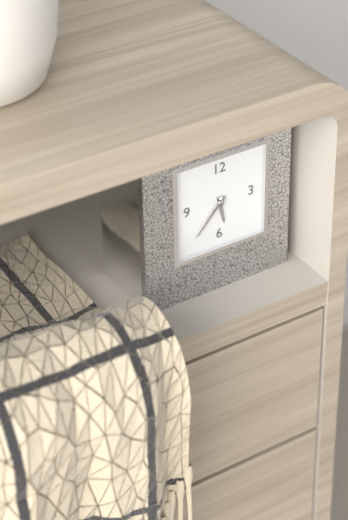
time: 5:37
